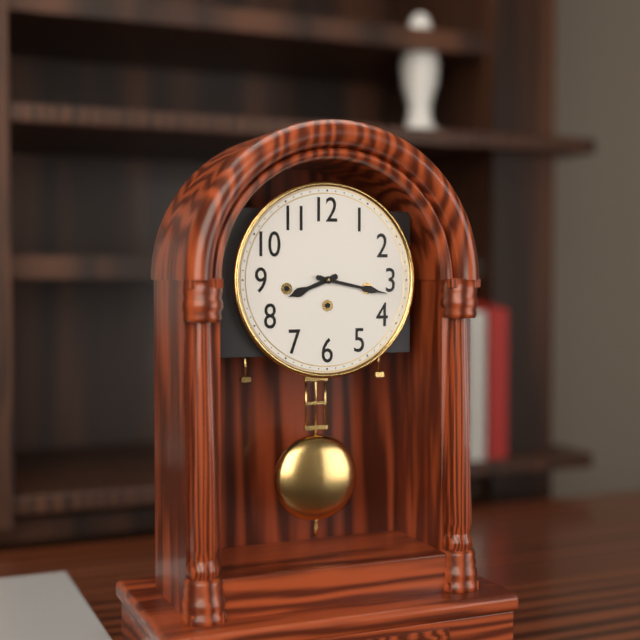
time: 8:17
